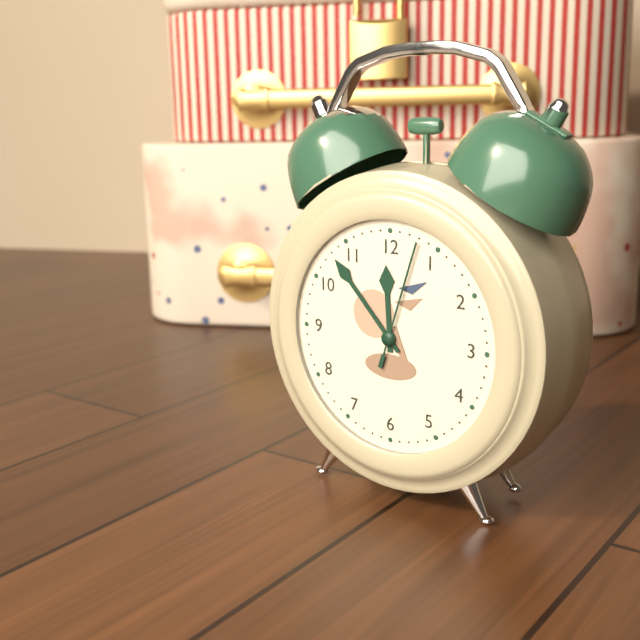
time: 11:53:03
